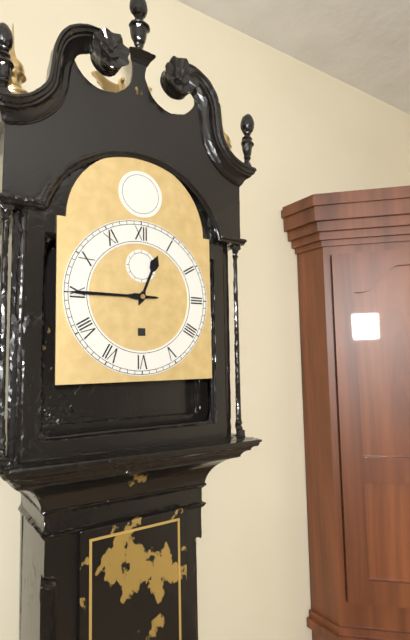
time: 12:45
